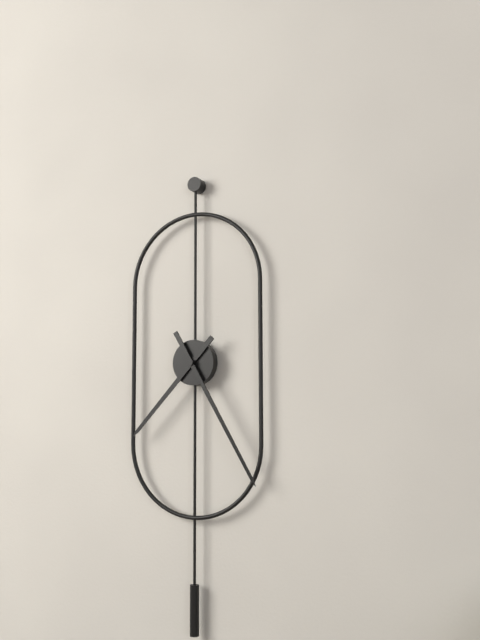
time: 7:25
